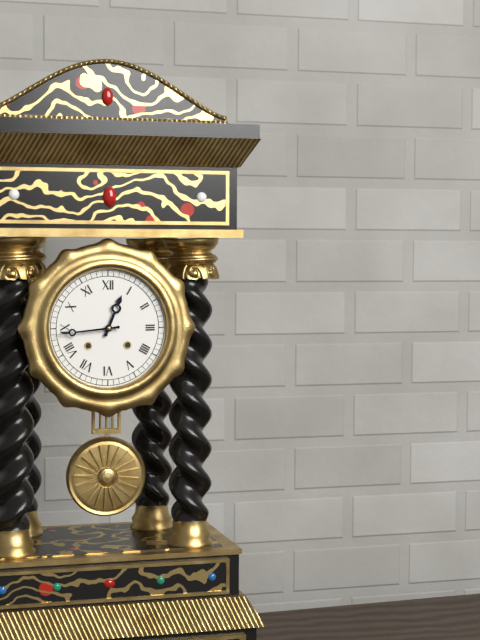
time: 12:44
